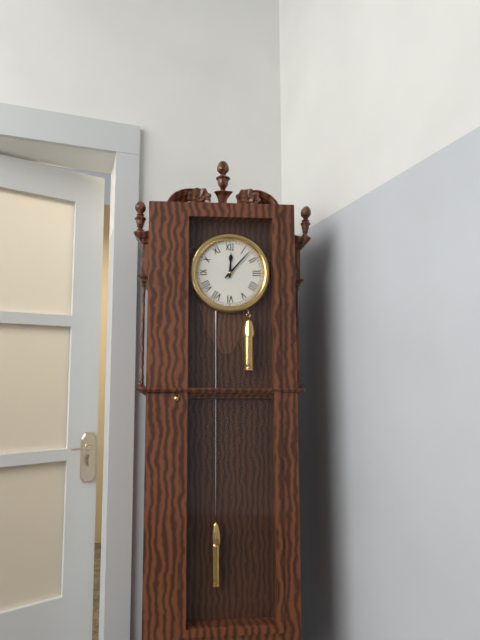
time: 12:07
